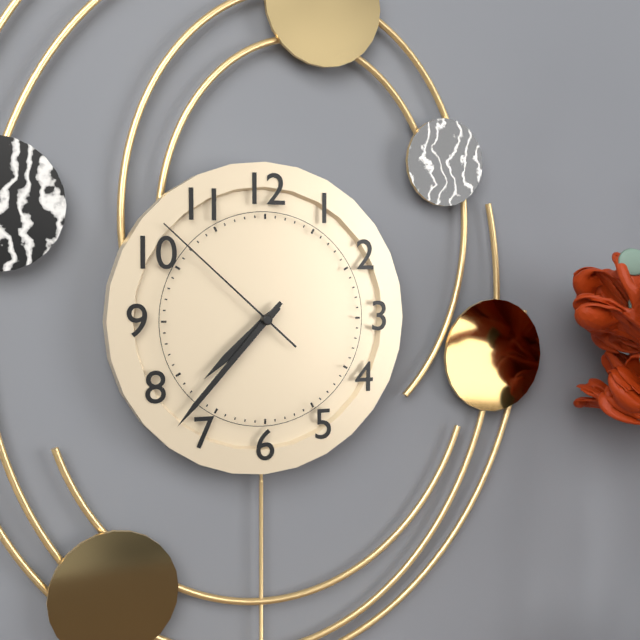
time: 7:37:52
